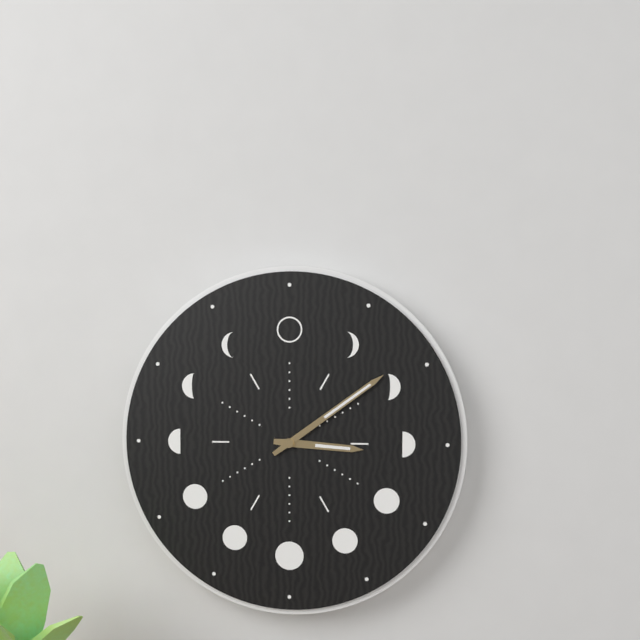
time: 3:09
